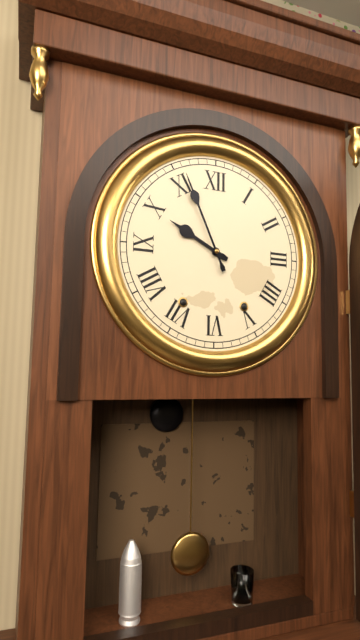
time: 9:56
